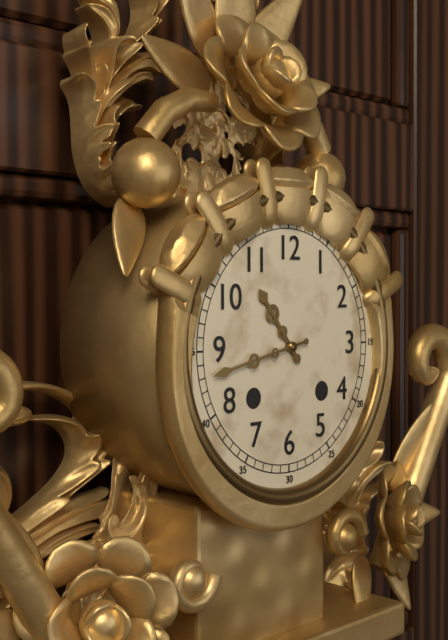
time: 10:43
